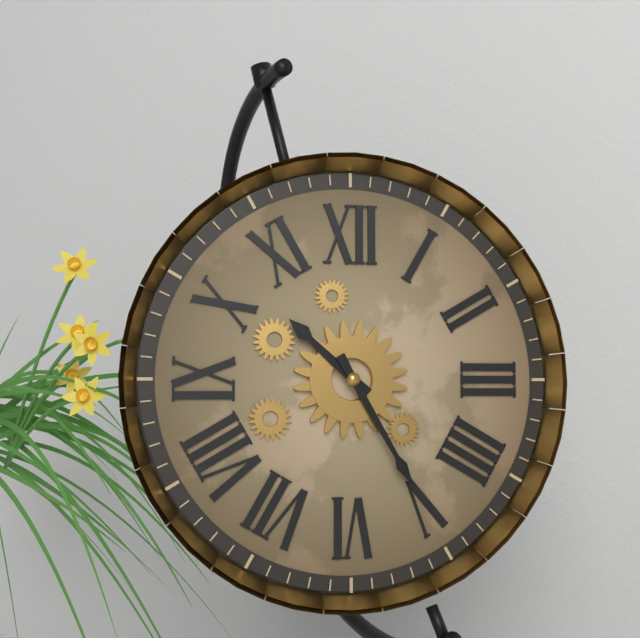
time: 10:25
